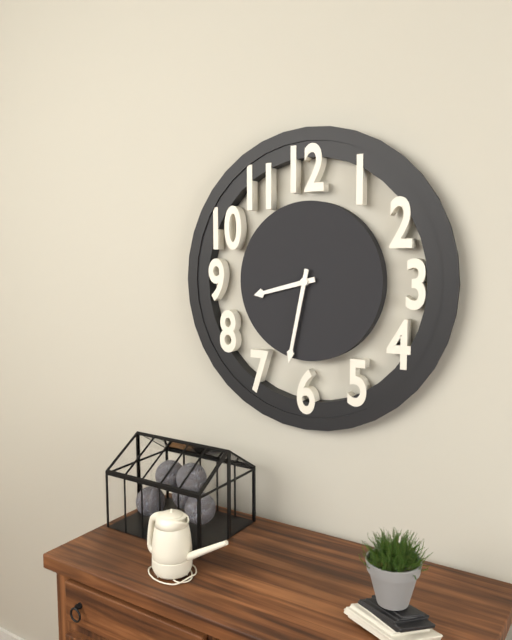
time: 8:32
